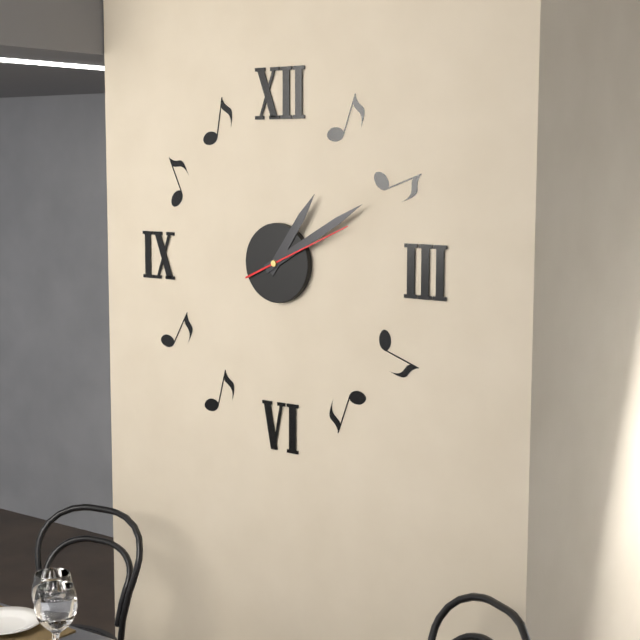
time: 1:10:11
